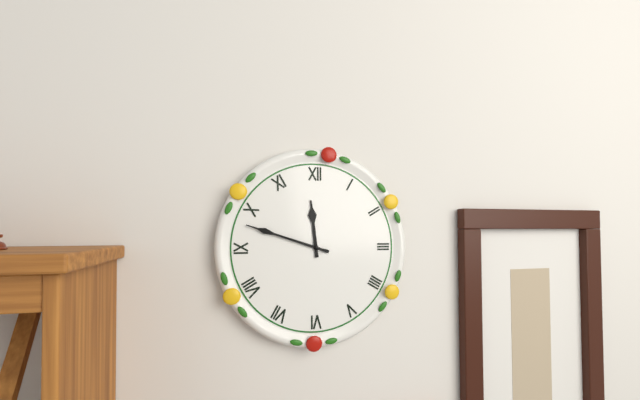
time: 11:48
